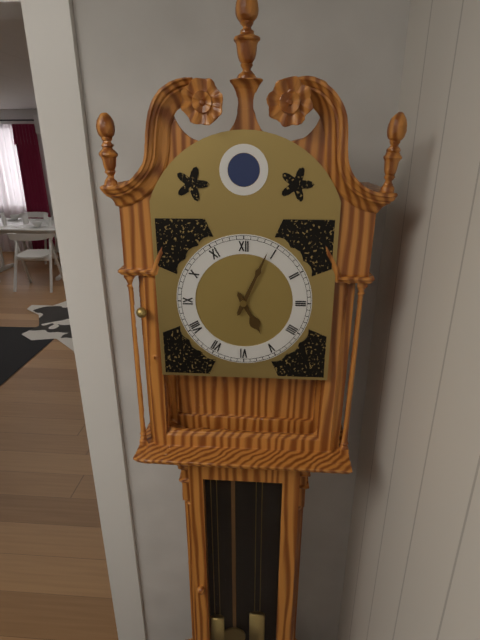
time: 5:04
